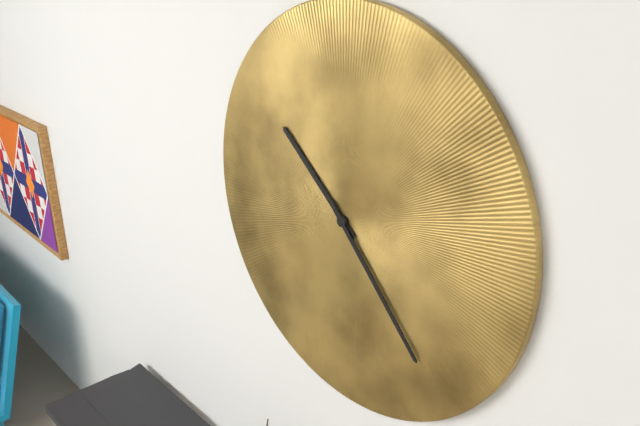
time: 10:23
